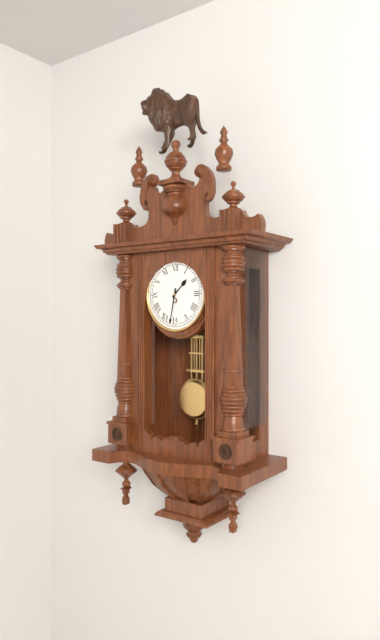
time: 1:32
